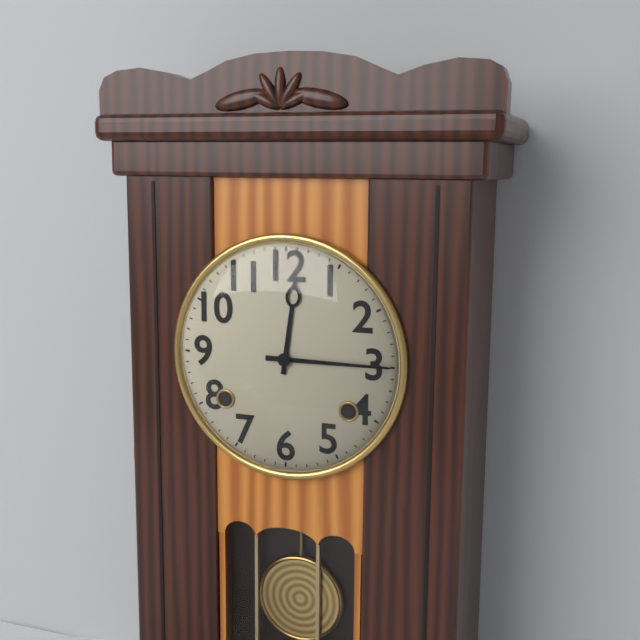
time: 12:15
